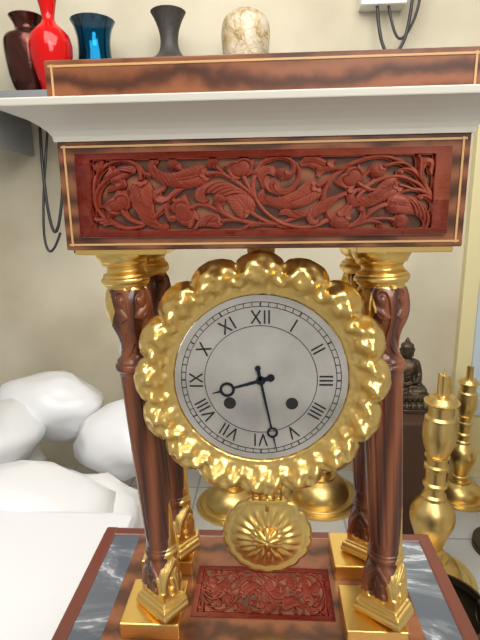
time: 8:28
